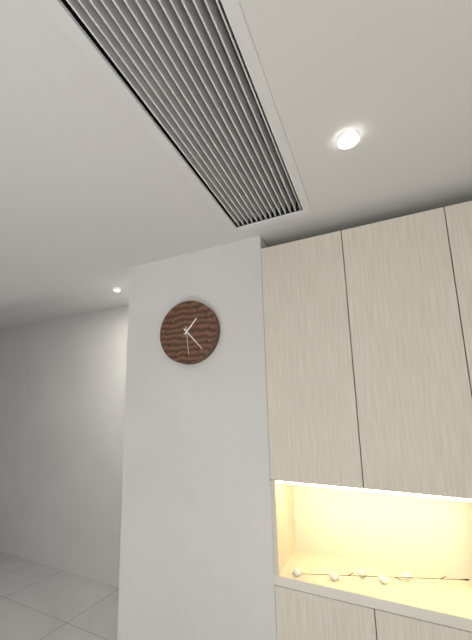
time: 1:23
